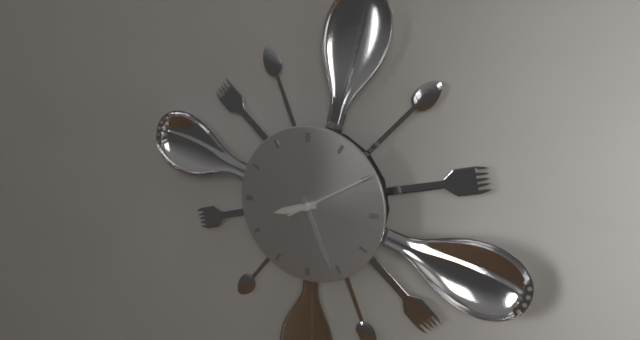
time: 8:26:10
